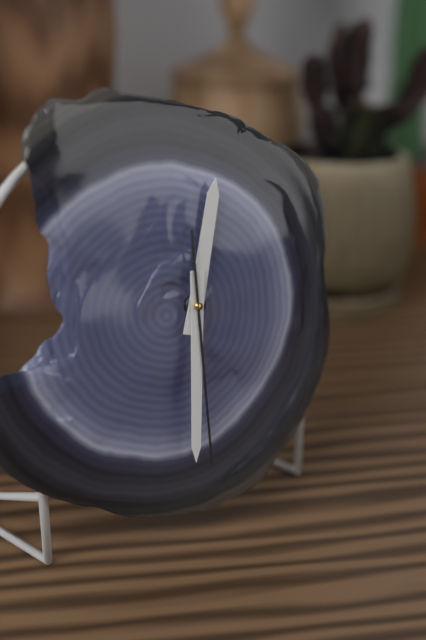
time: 12:31:30
